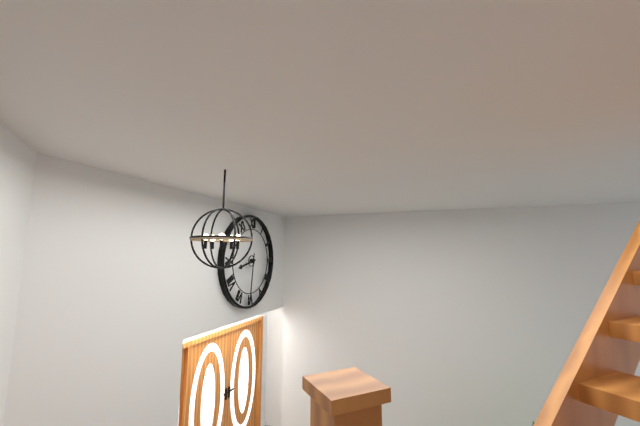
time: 8:31
